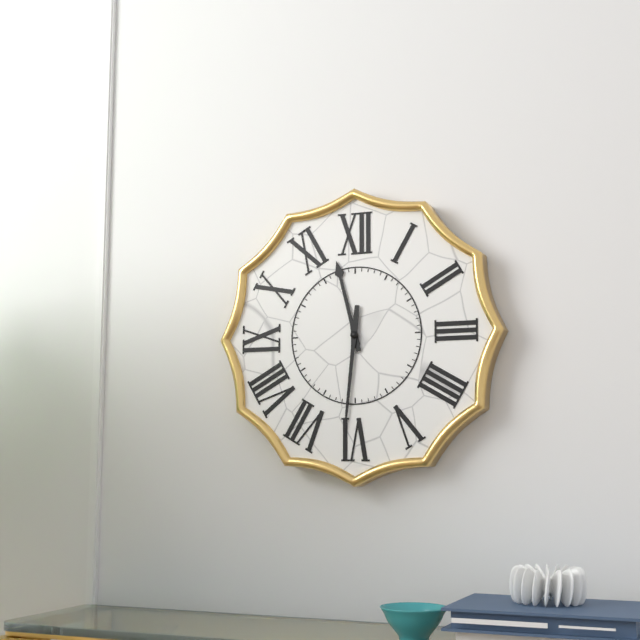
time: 11:31
